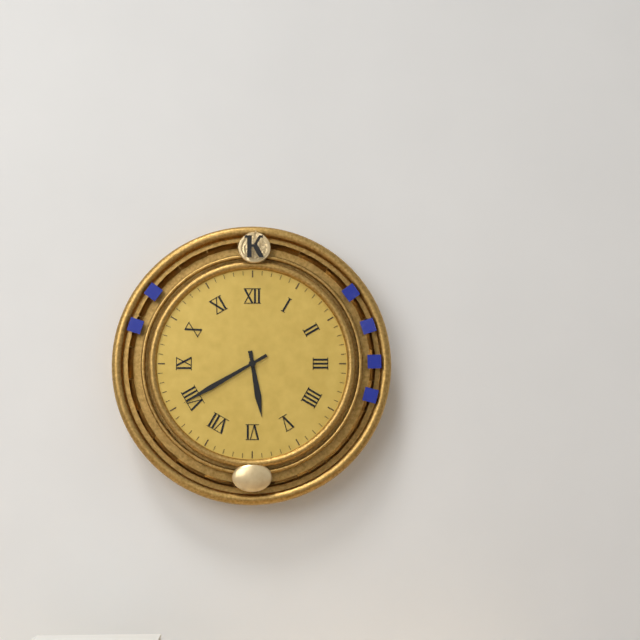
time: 5:40
